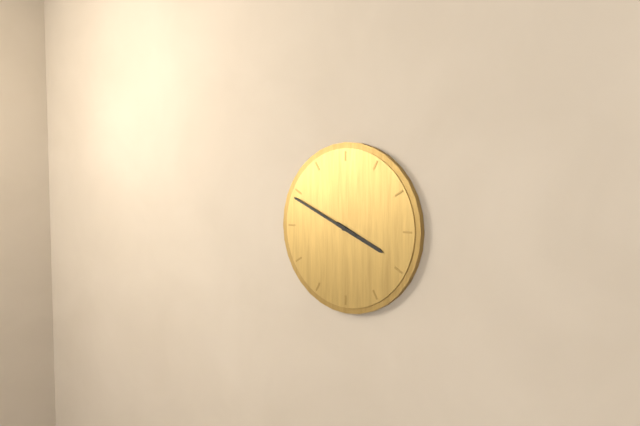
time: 3:49
